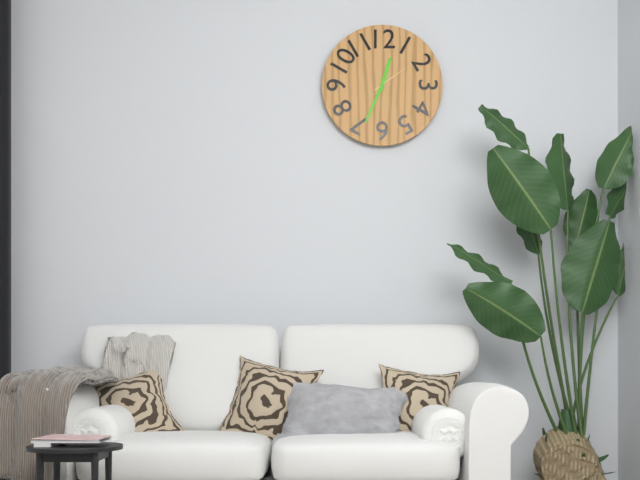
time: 12:34
